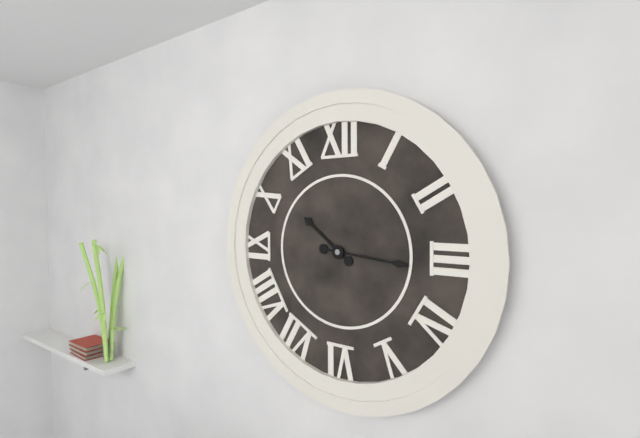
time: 10:16
